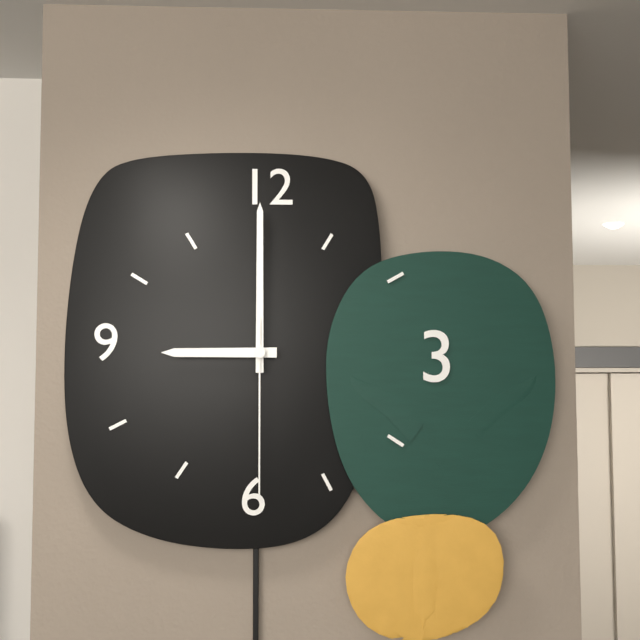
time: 9:00:30
